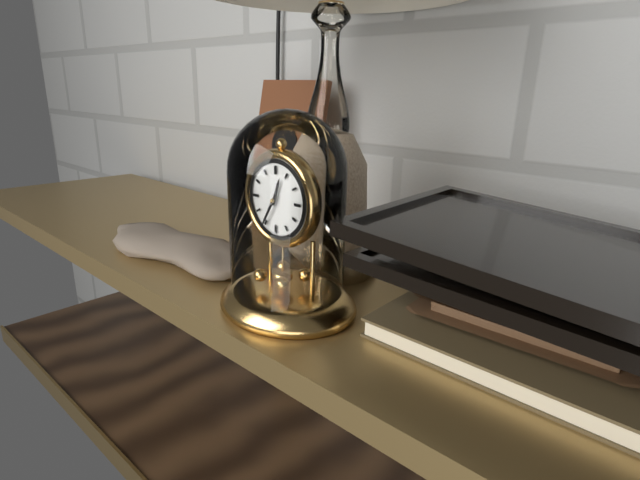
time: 12:35
